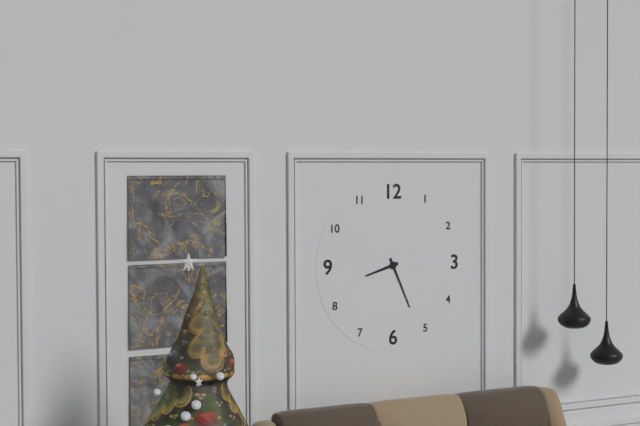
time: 8:26
